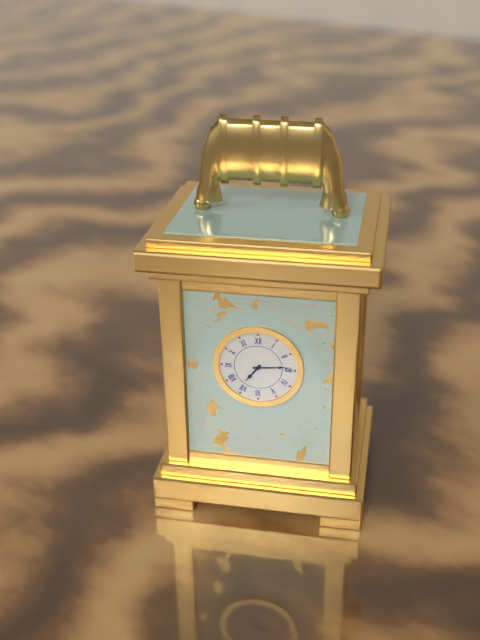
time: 7:14
